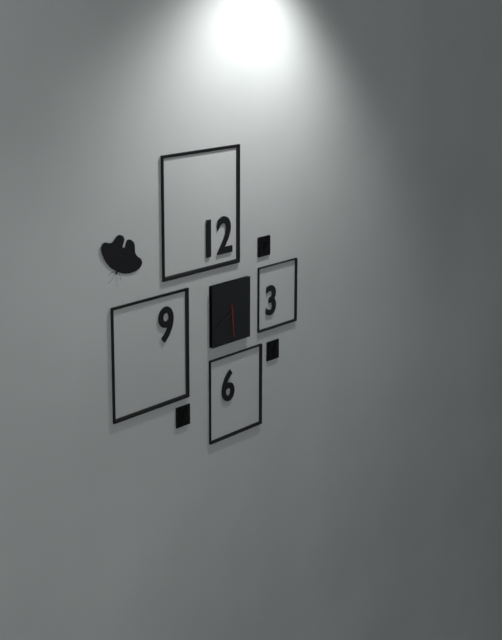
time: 1:41
